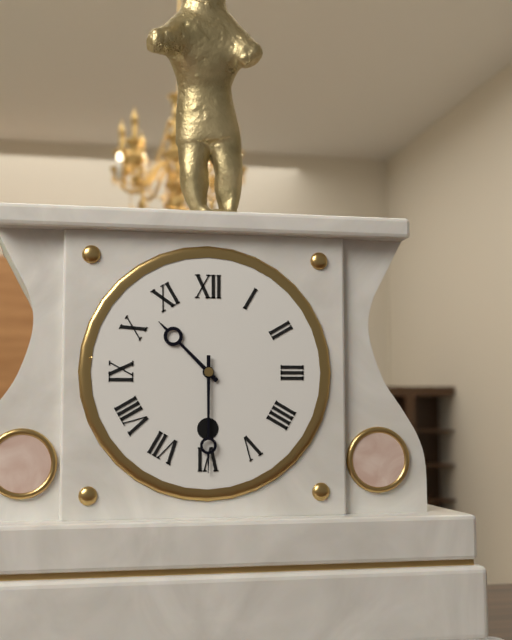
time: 10:30
